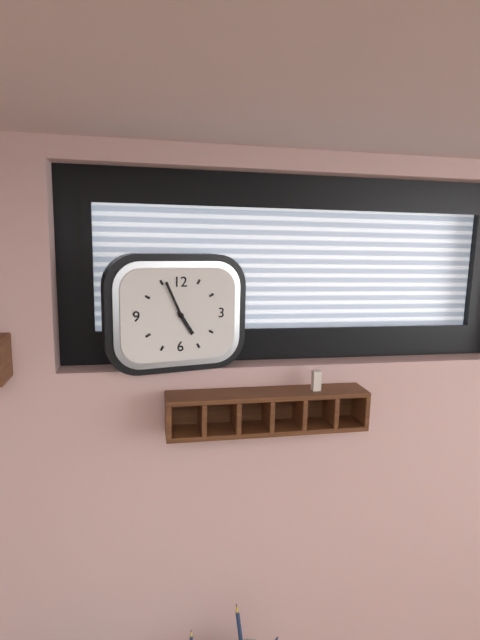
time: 4:56
